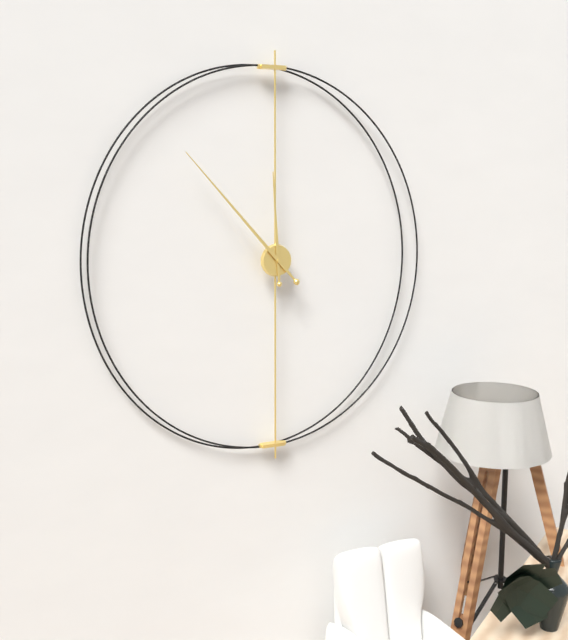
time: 11:53
